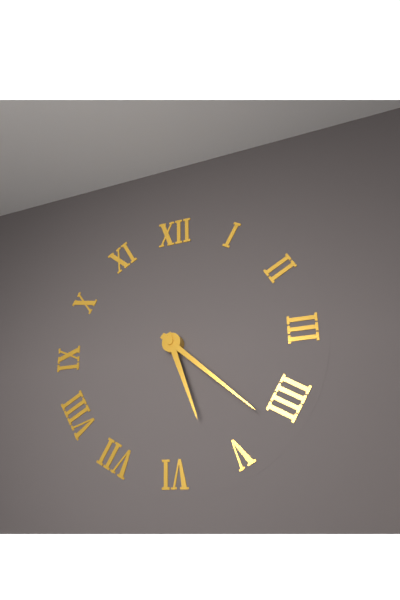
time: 5:22
